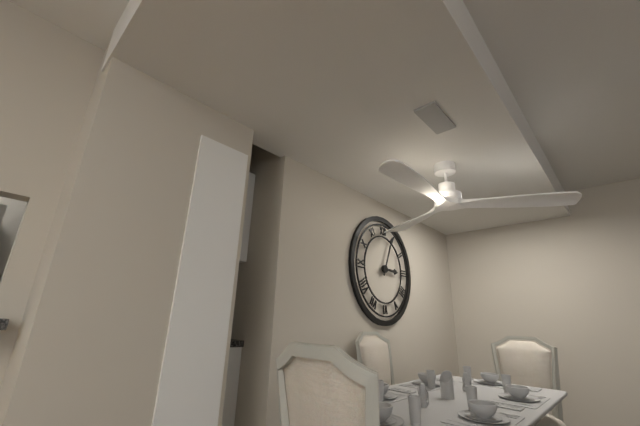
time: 3:04
